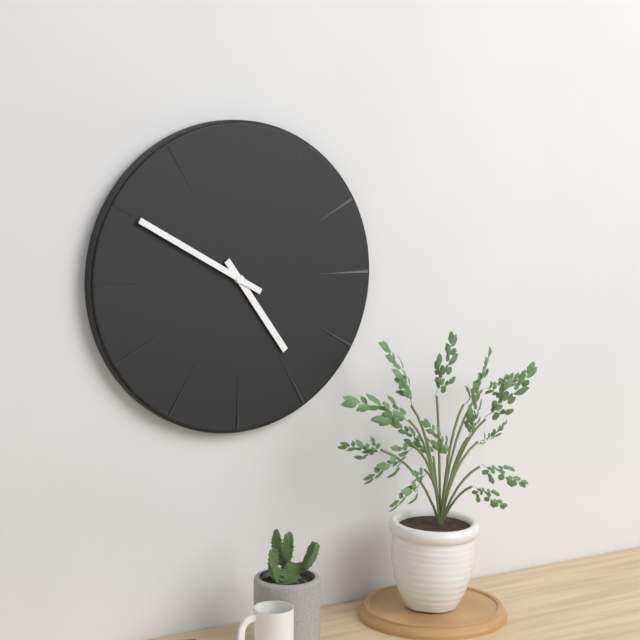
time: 4:50
